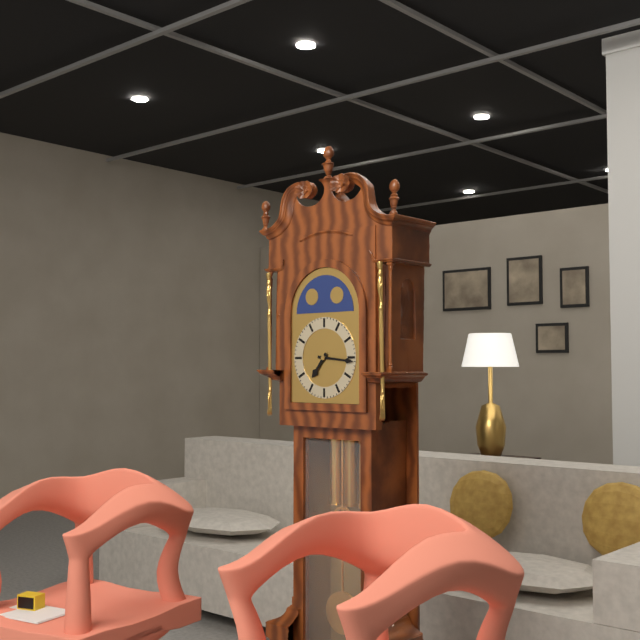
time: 7:16
